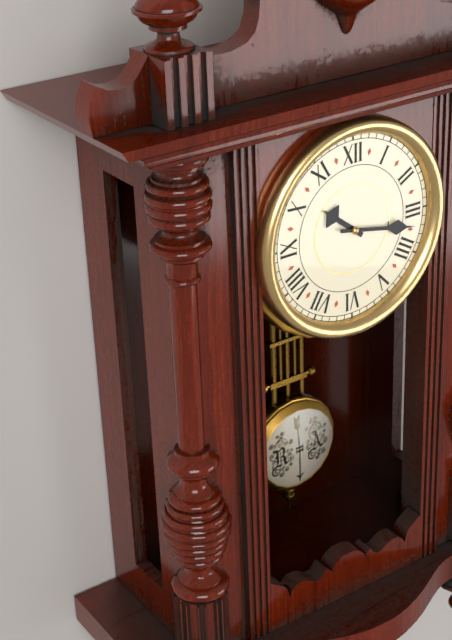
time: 10:17
